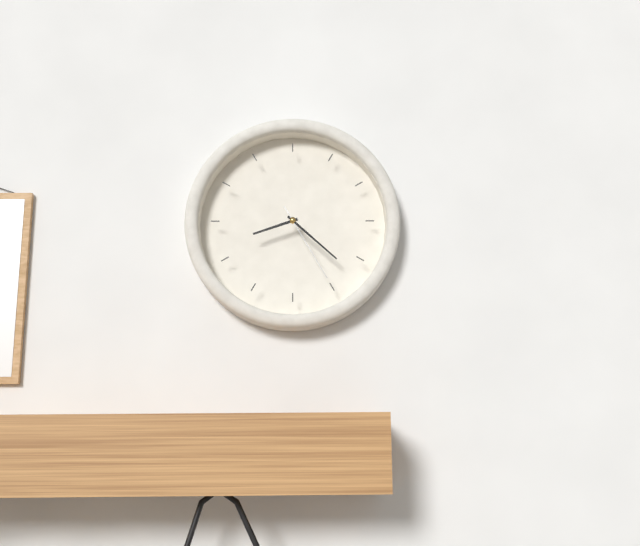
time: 8:22:25
